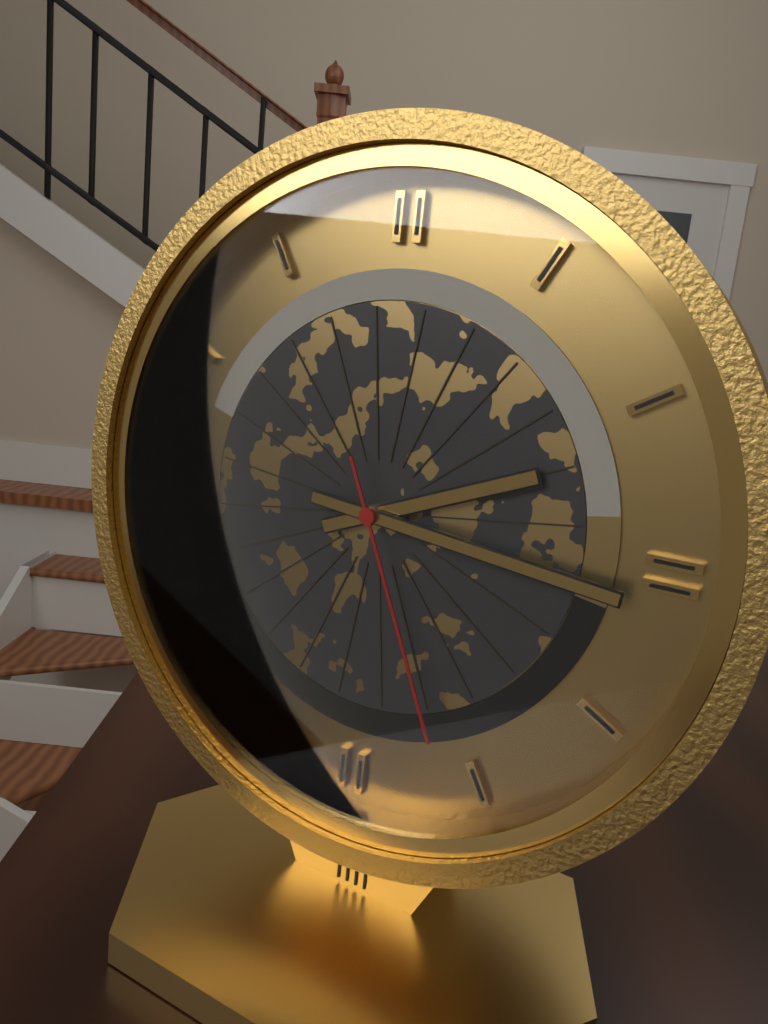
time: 2:16:26
